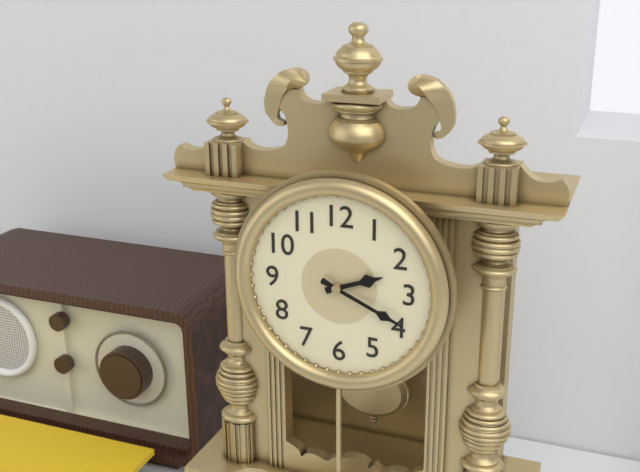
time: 2:19
